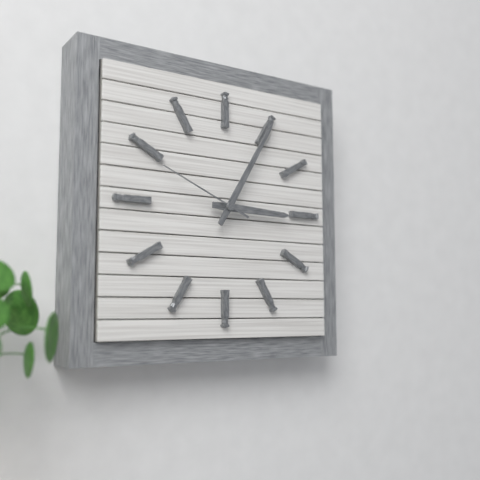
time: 3:05:49
